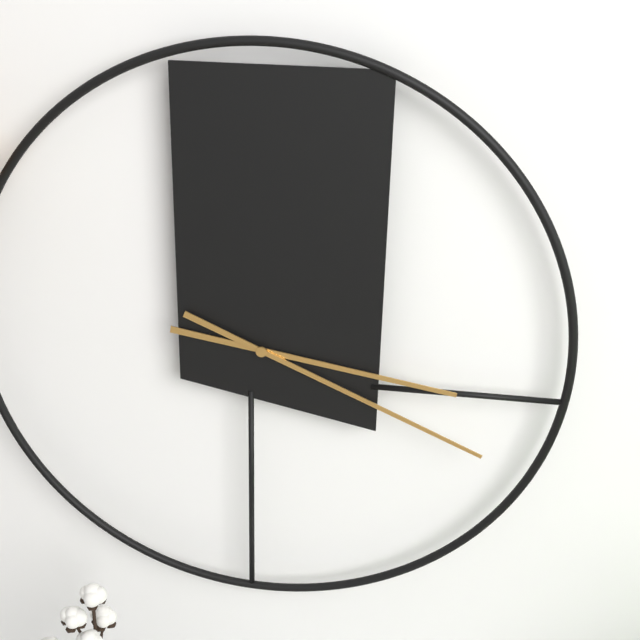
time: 3:19
